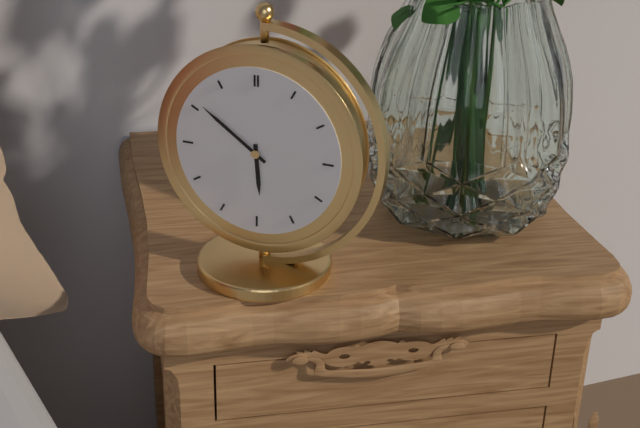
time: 5:51
